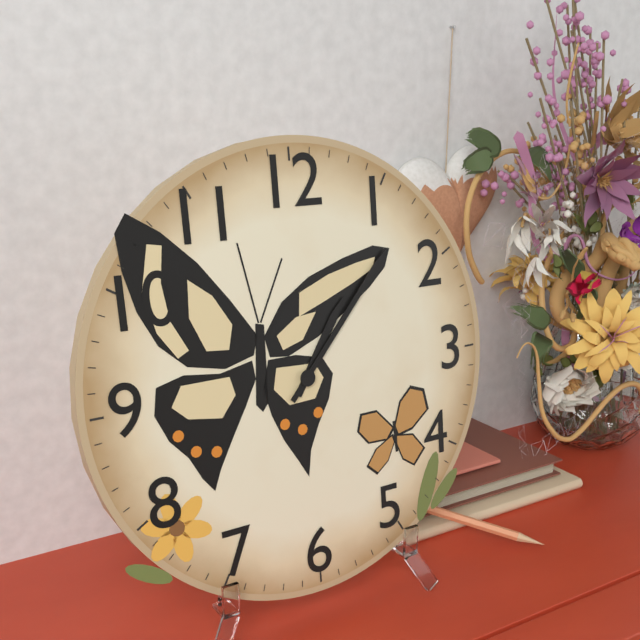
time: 1:07
